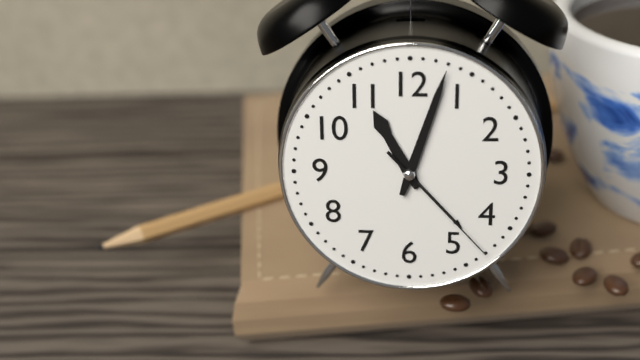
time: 11:03:23
